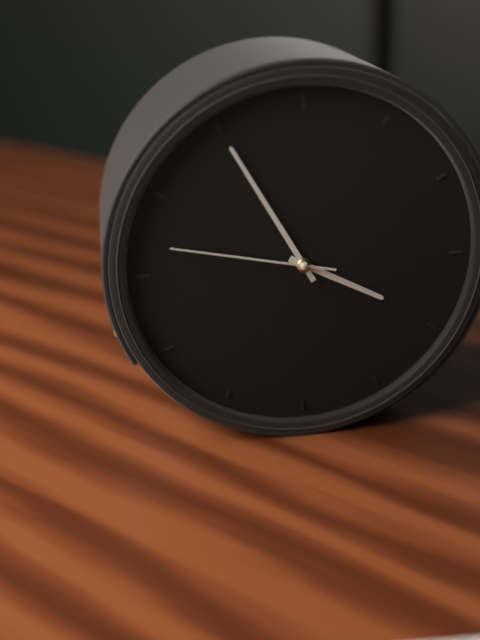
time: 3:55:47
